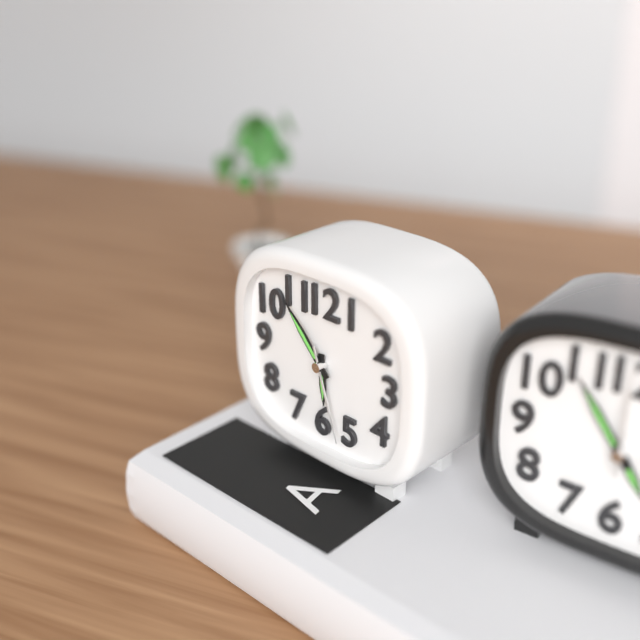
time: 5:53:27
